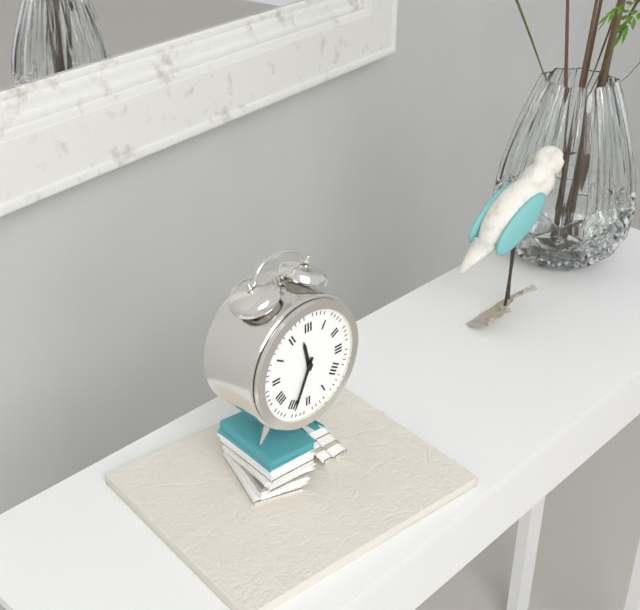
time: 11:34
